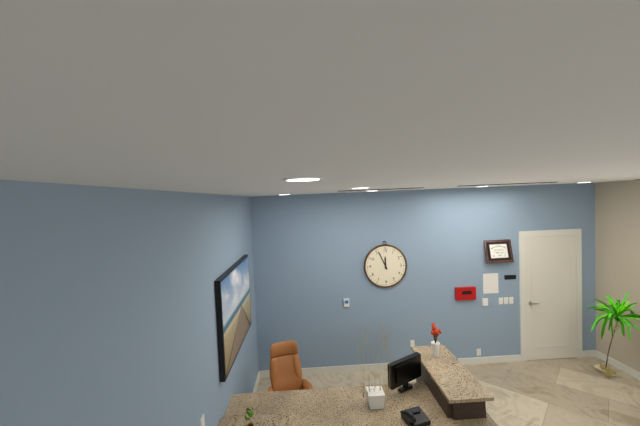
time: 11:56
